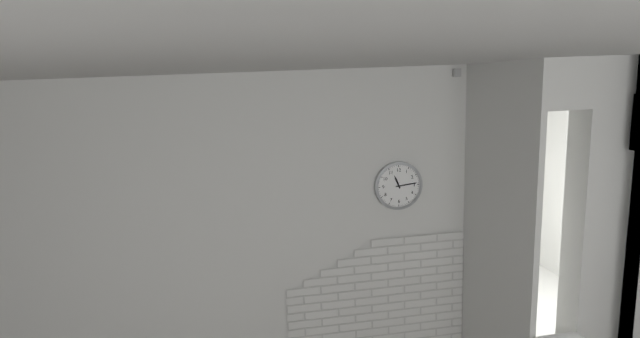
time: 11:14
